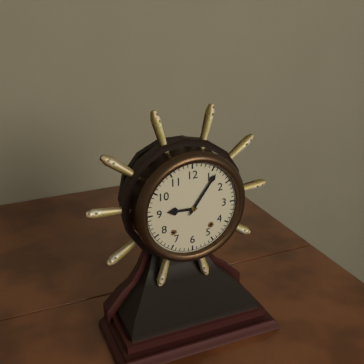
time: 9:06
